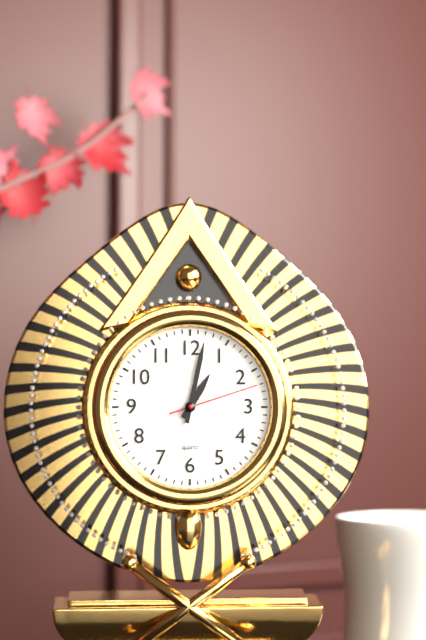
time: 1:02:12
